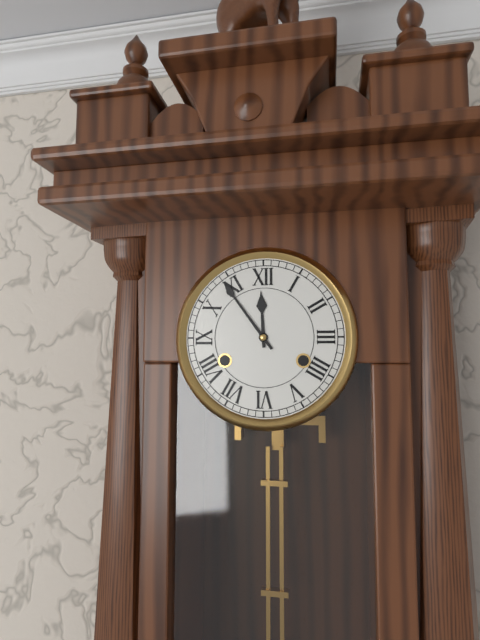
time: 11:54
